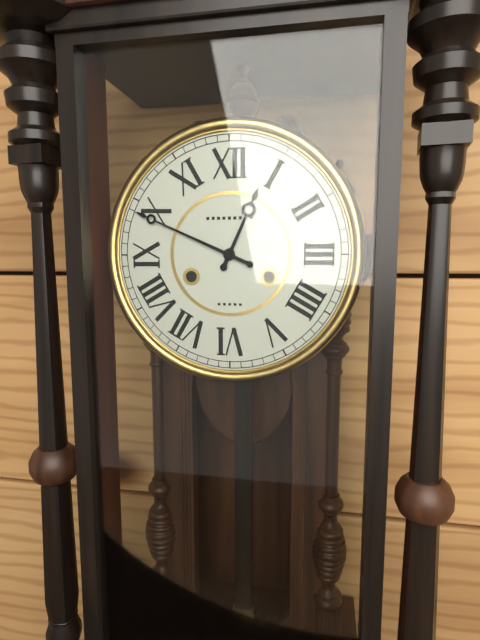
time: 12:49
